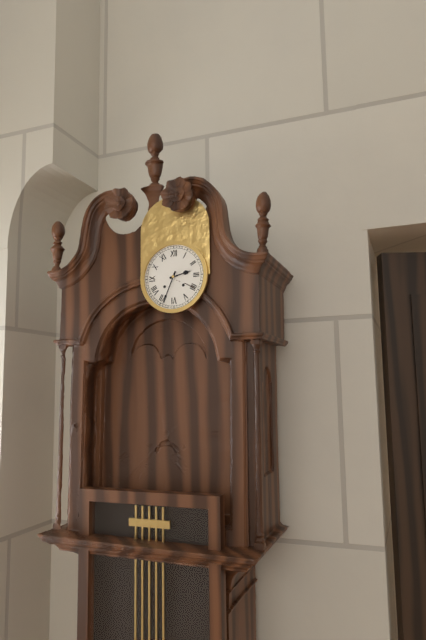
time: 2:34
